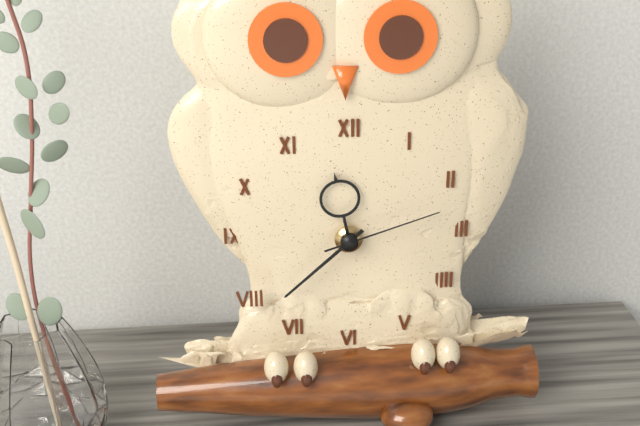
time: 11:38:12
